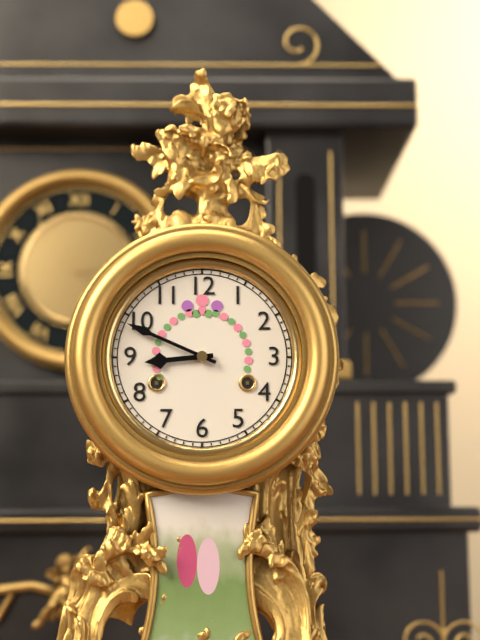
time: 8:49
